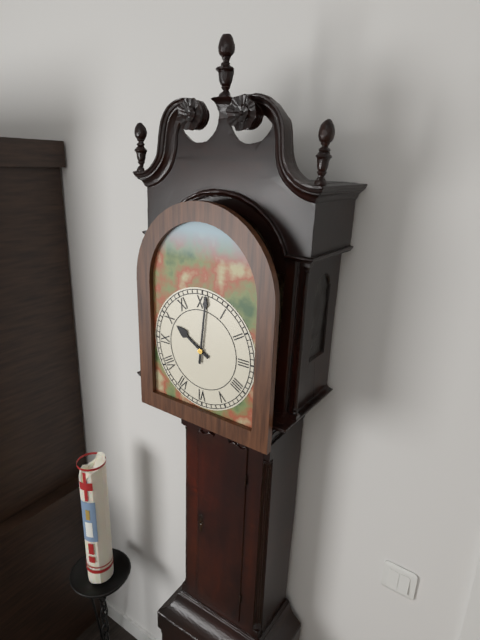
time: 10:01
